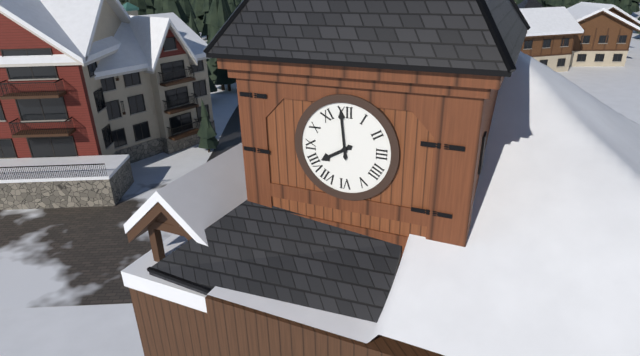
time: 7:59
